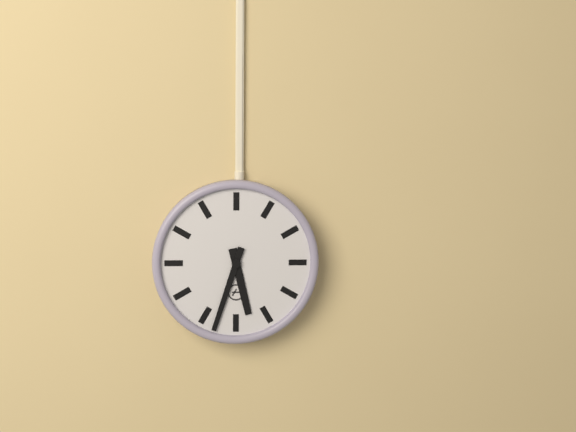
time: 5:33
